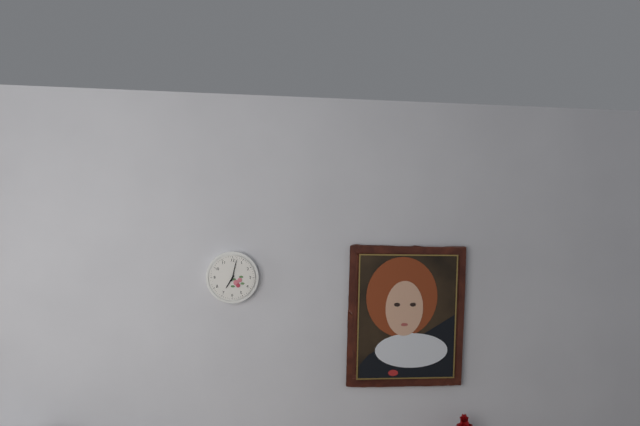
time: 7:02
